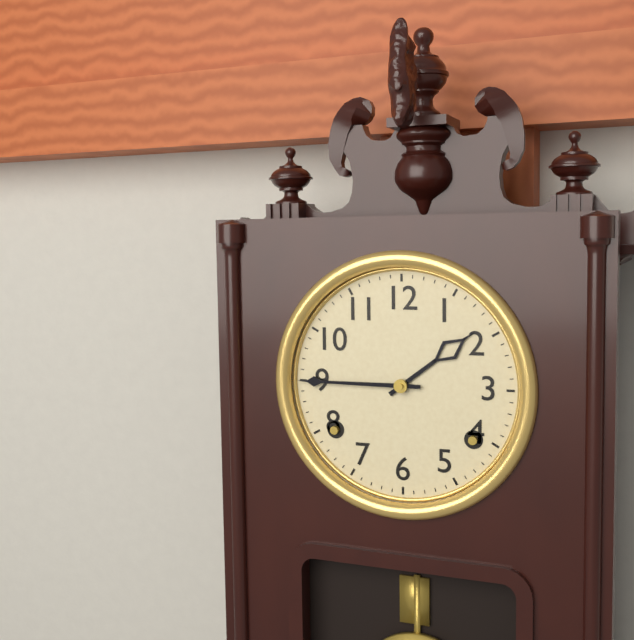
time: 1:45
